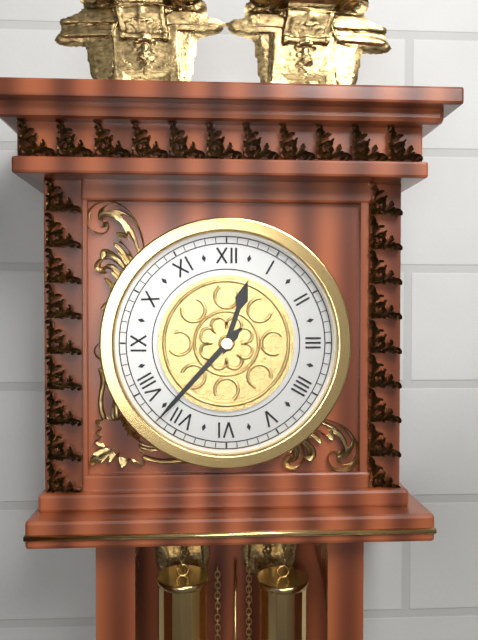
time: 12:37
